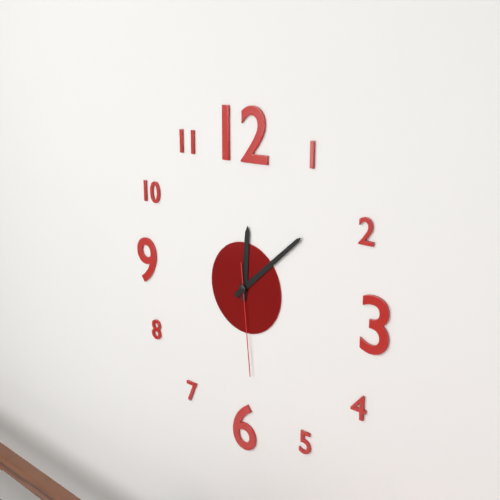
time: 12:08:29
